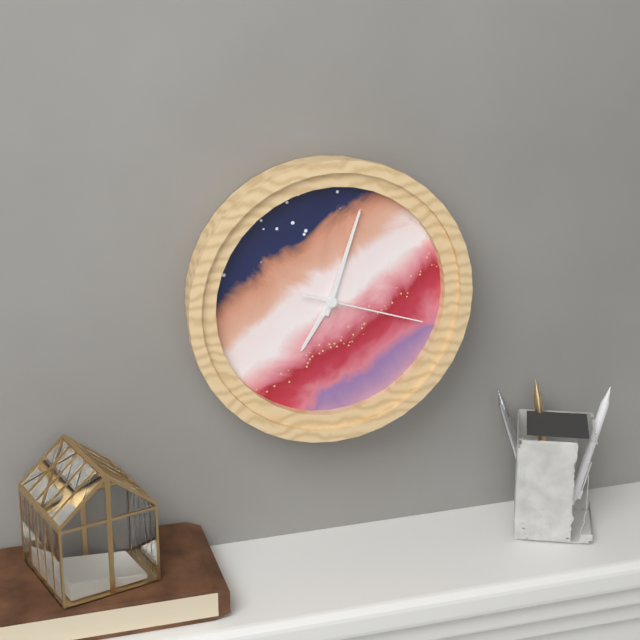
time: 7:03:18
